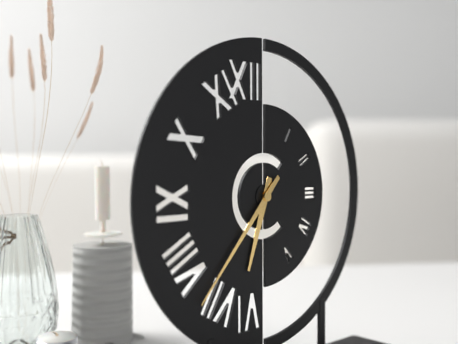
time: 6:37
